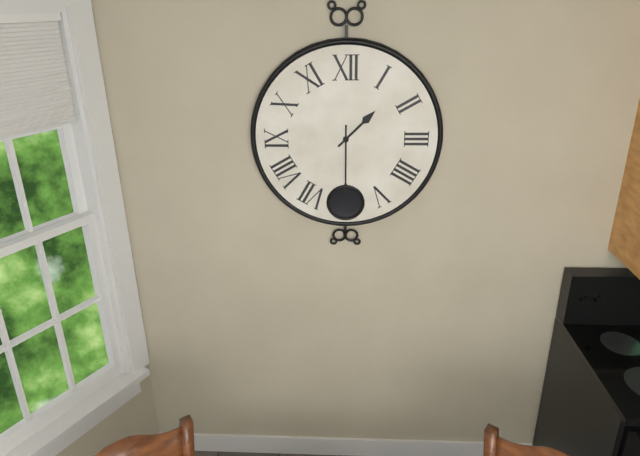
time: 1:30
